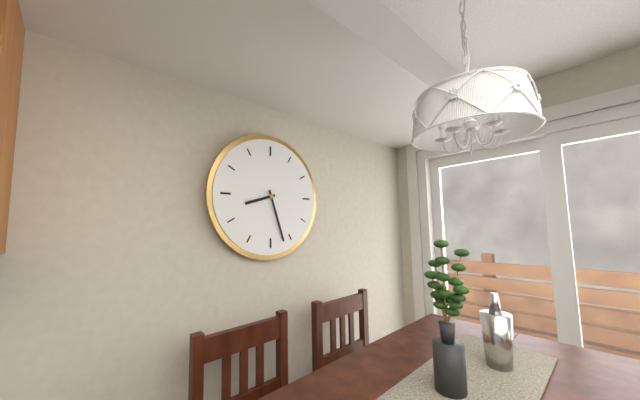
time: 8:27
